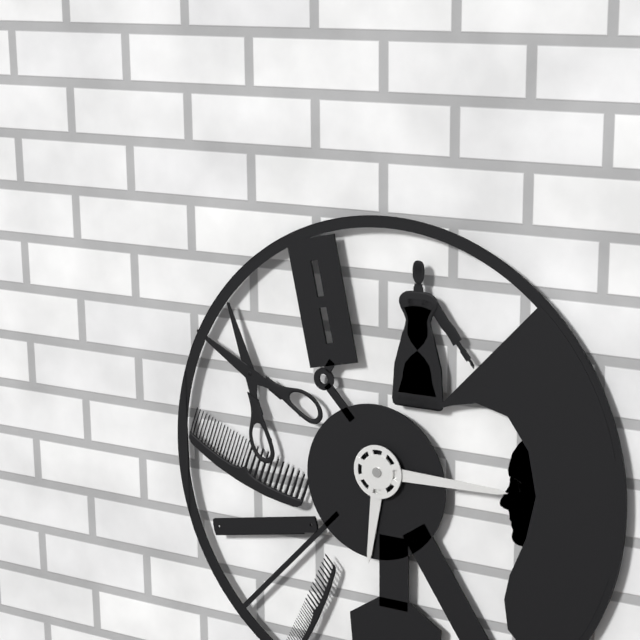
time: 6:15
